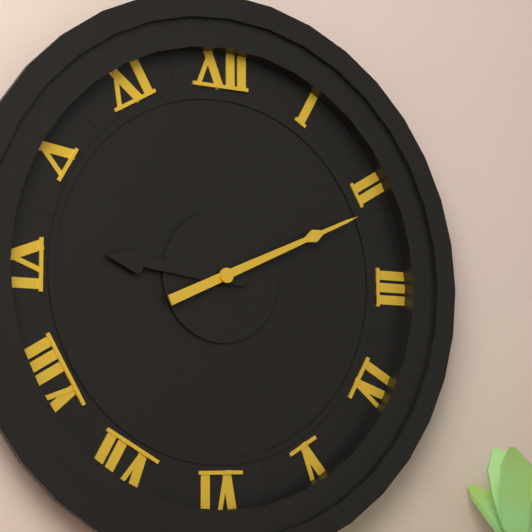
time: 9:11
